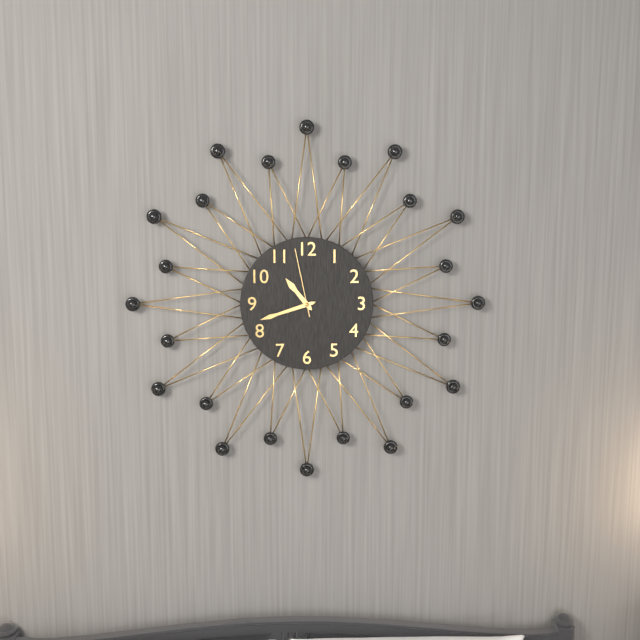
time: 10:42:58
